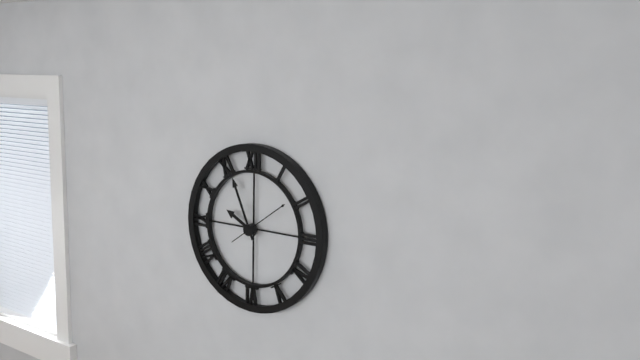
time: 9:56:09
